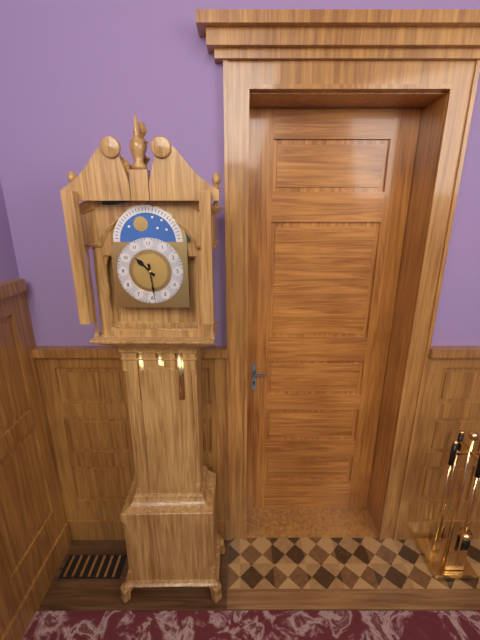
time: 10:29
